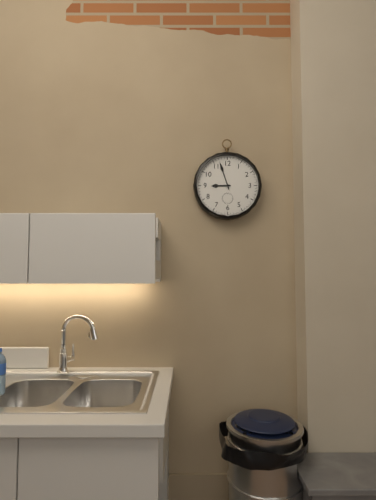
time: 8:57
